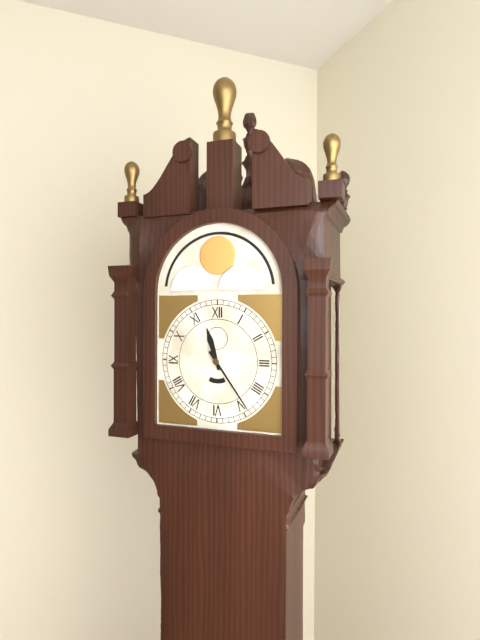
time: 11:24
